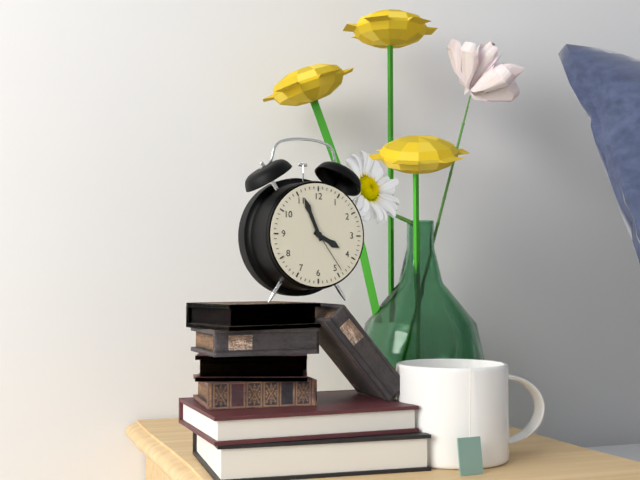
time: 3:56:24
